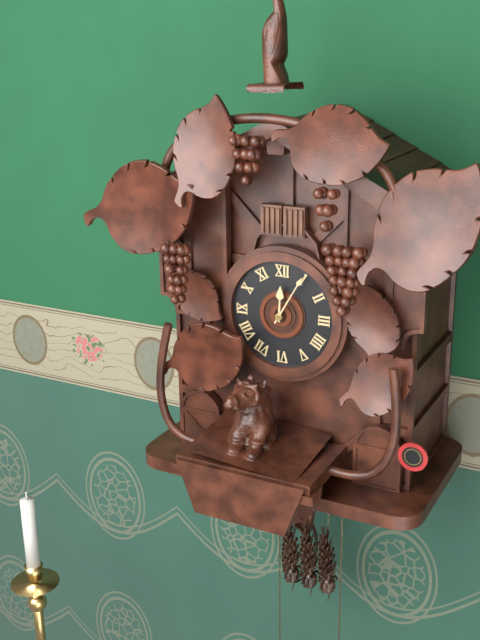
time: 12:05
